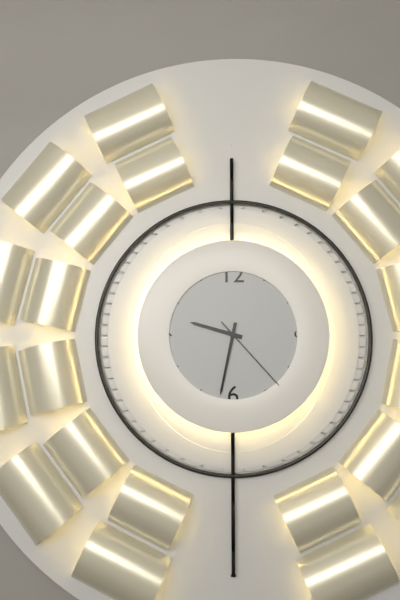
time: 9:32:23
